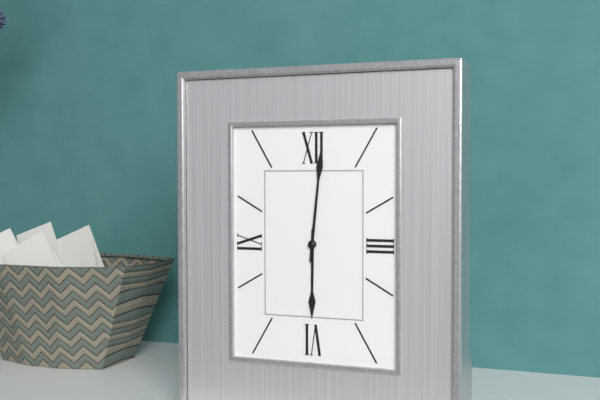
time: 6:01
